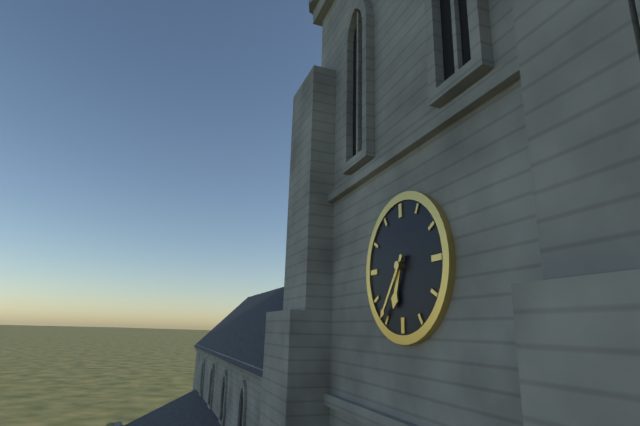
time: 6:36
